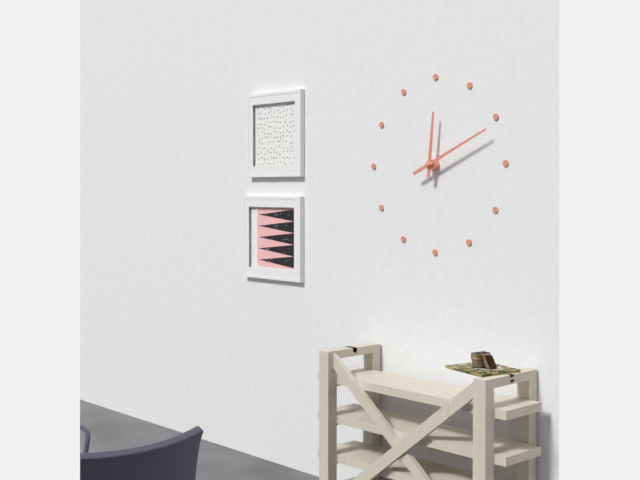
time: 12:11
